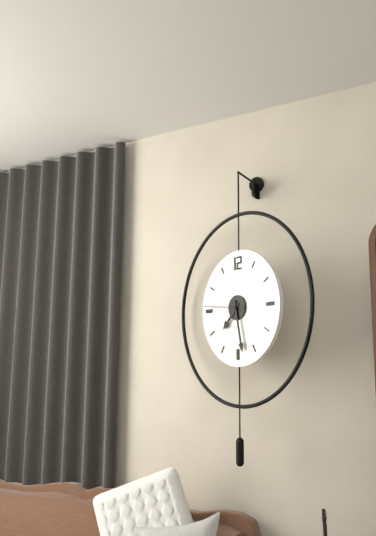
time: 7:28
